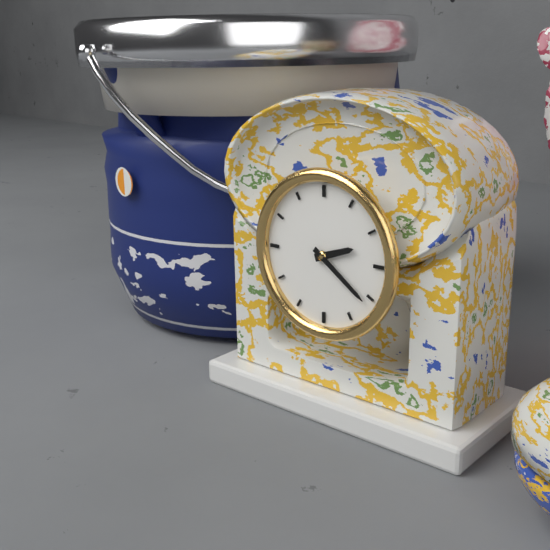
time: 2:21
